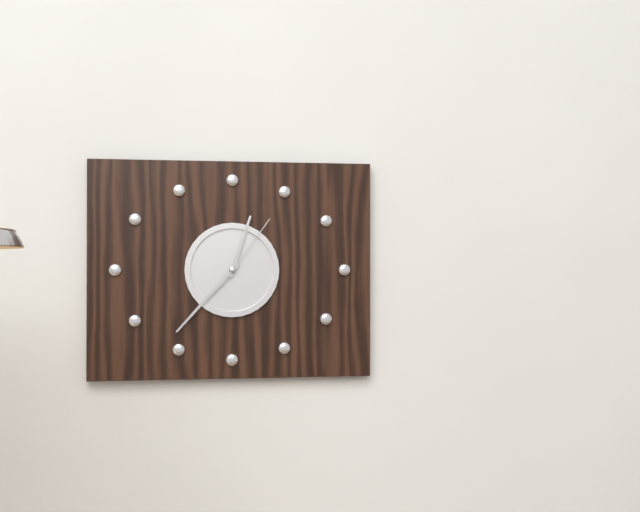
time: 12:37:06
